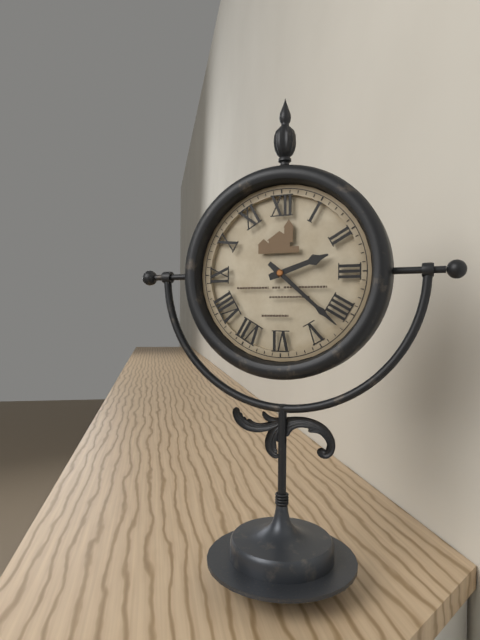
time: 2:22
